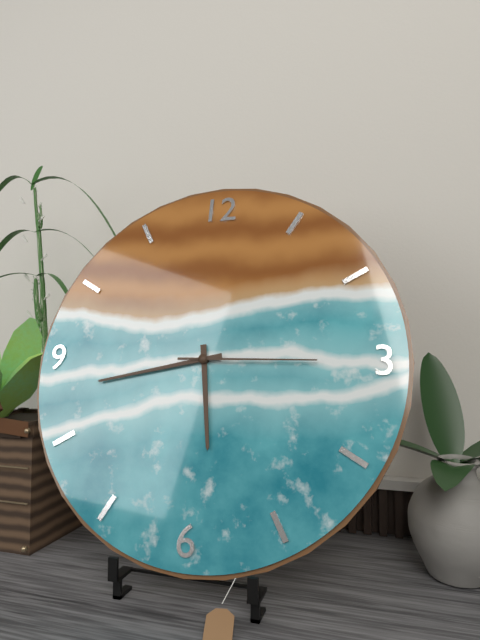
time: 5:43:15
